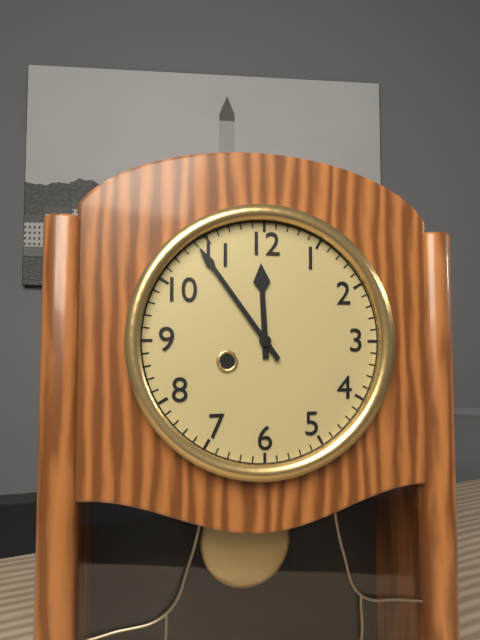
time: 11:54
